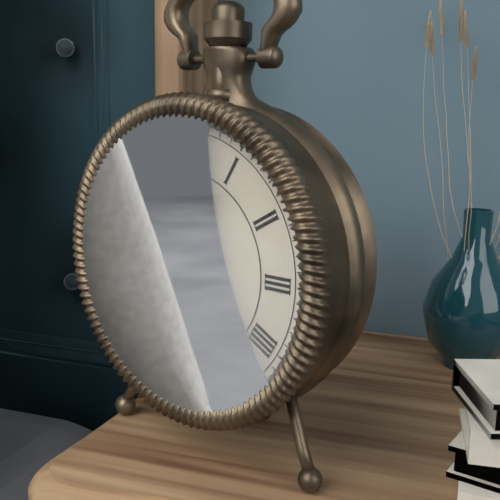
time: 5:54
